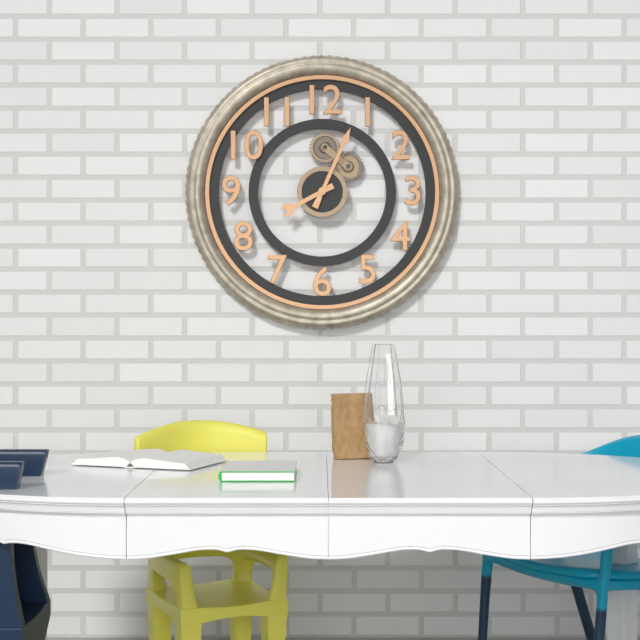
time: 8:04
